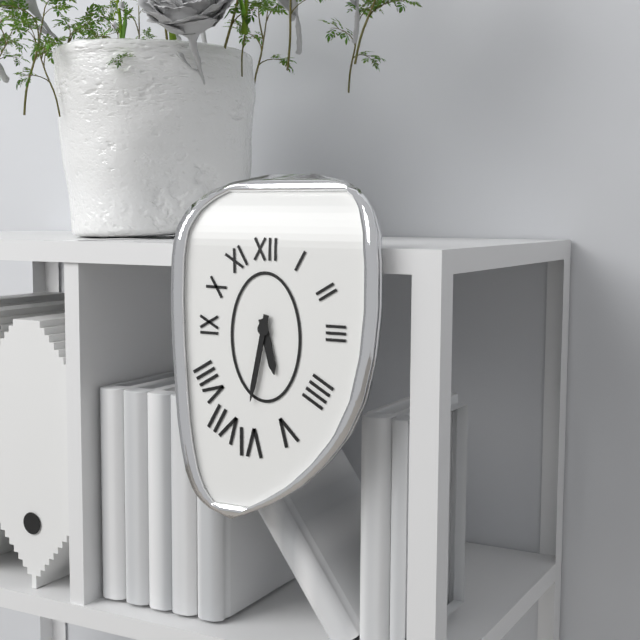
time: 5:32
